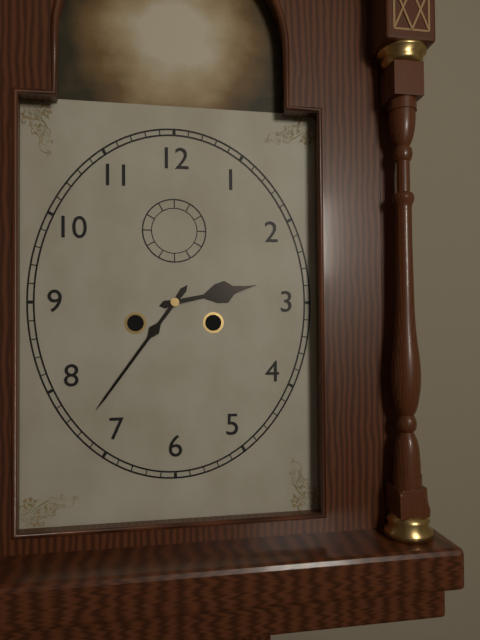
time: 2:36
